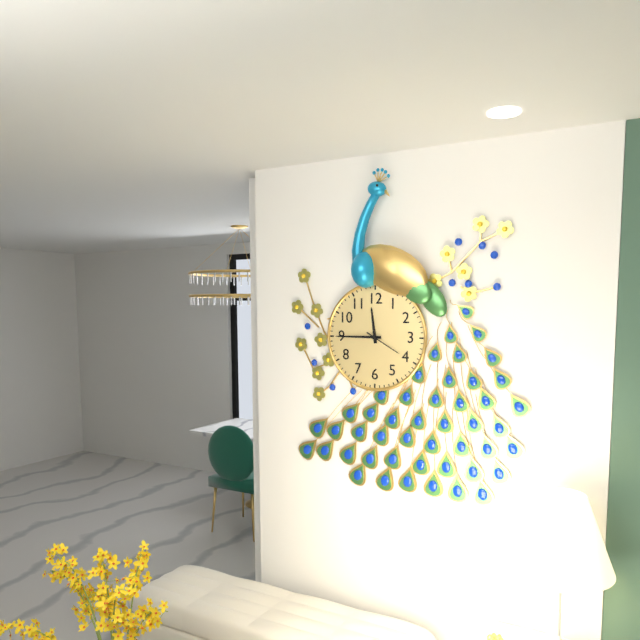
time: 11:45
